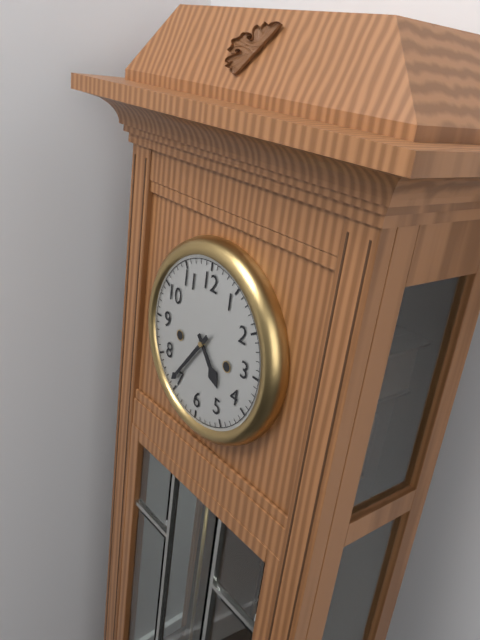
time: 4:36
